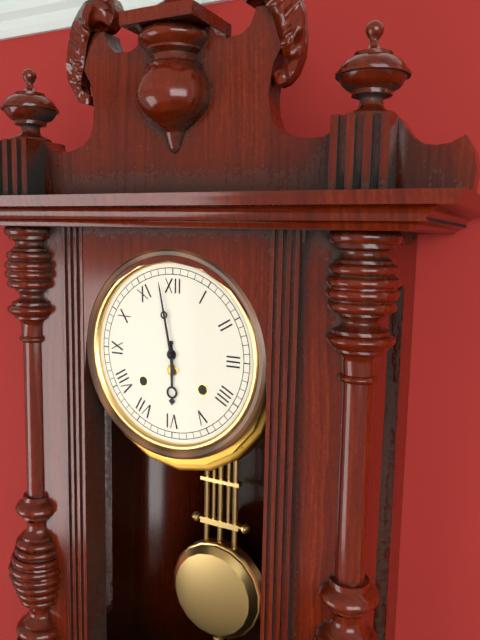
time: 5:58
